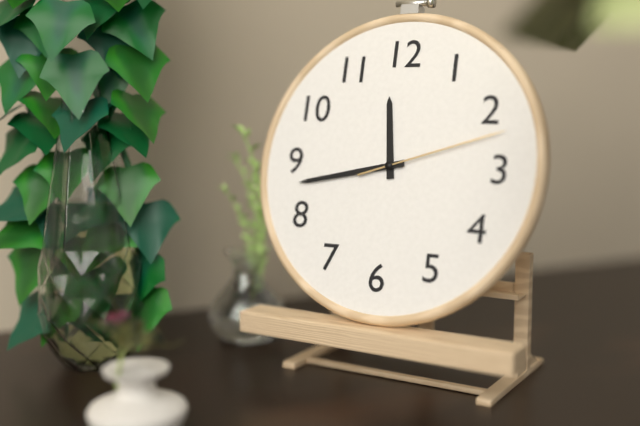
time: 11:43:12
